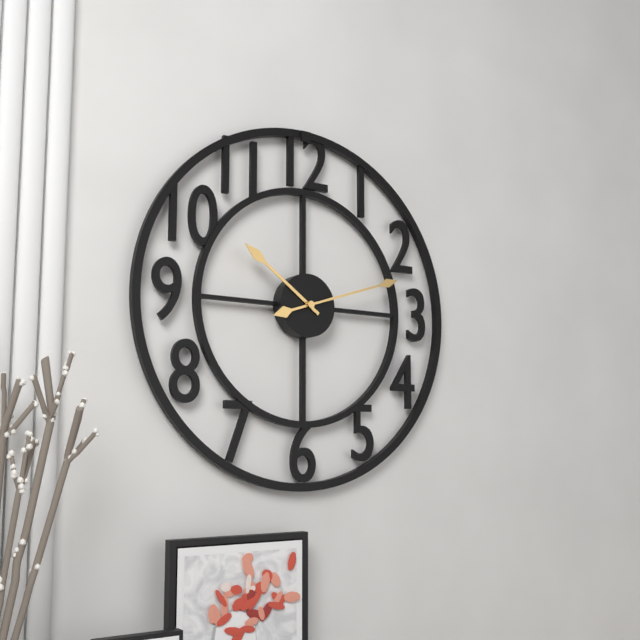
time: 10:12
